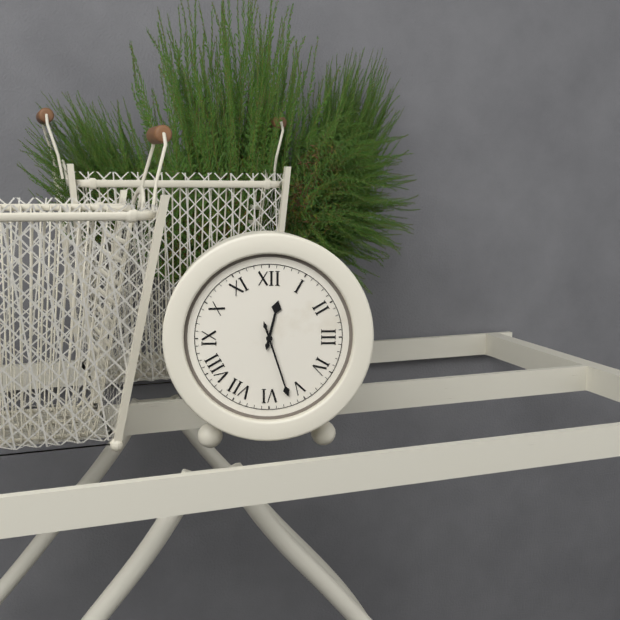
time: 12:27
